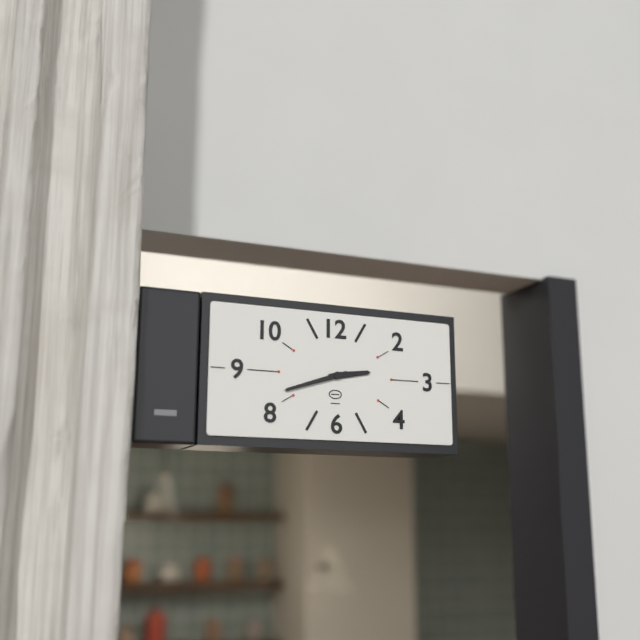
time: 2:42
